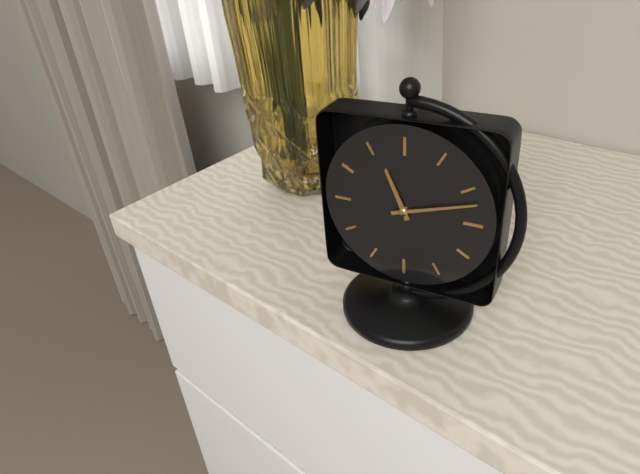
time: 11:12
